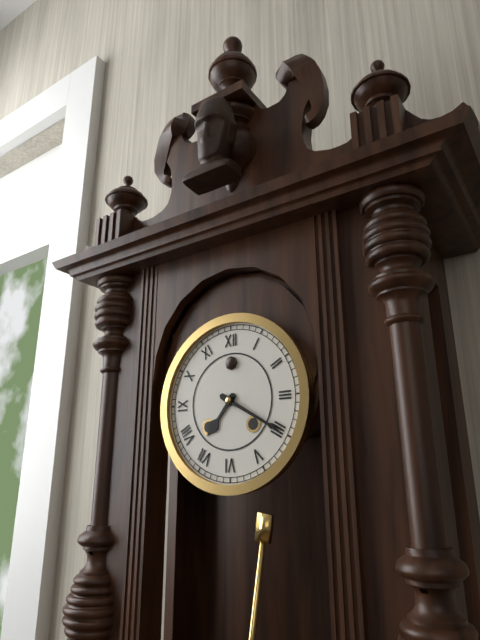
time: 7:20
